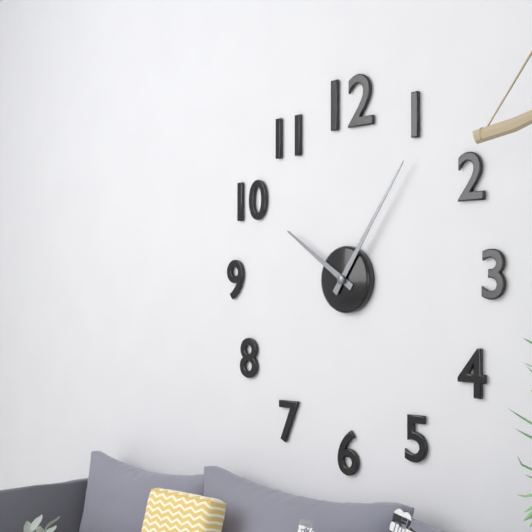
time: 10:06
